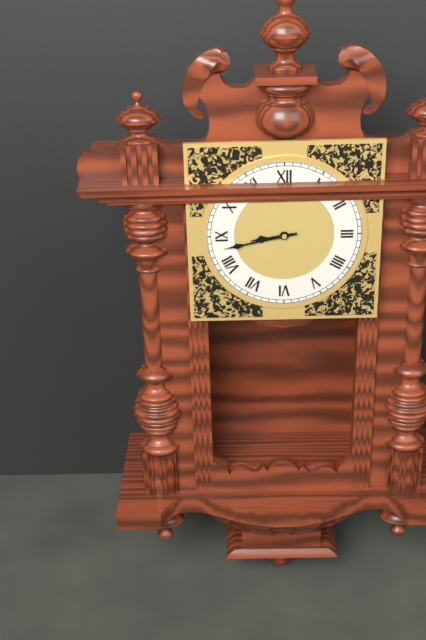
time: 8:43
